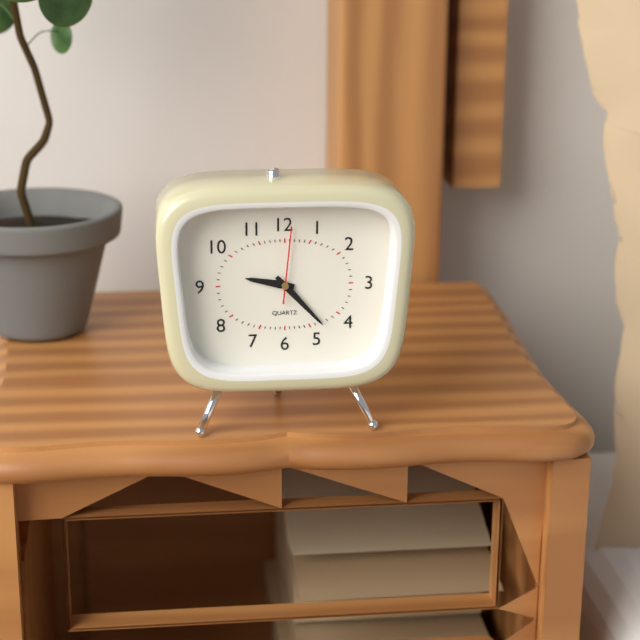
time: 9:23:01
